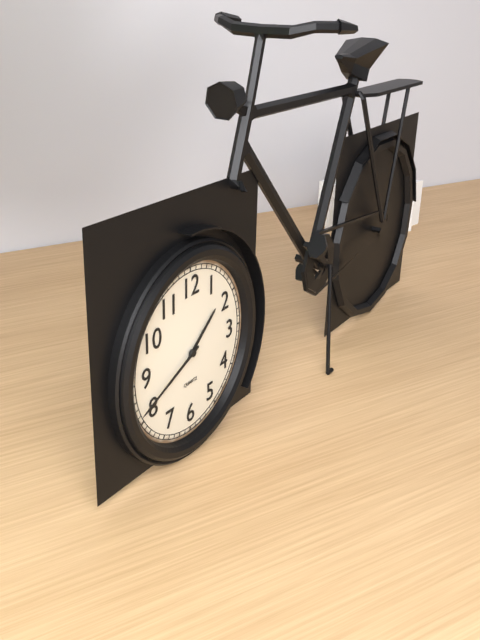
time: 1:41
